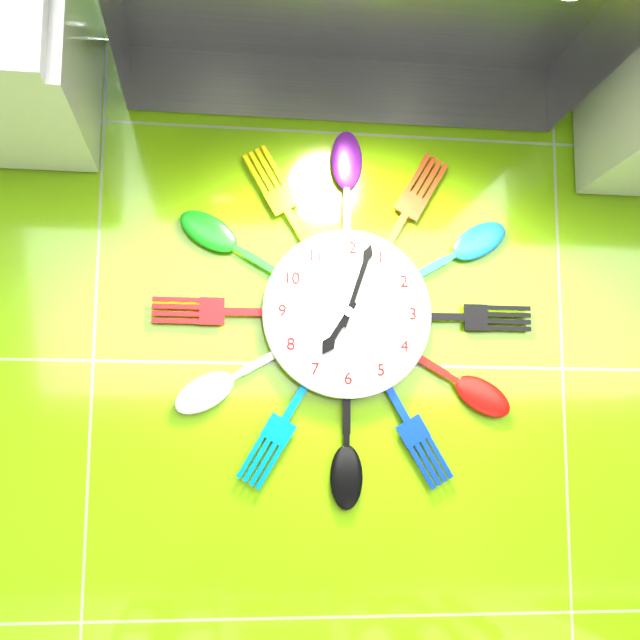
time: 7:03
